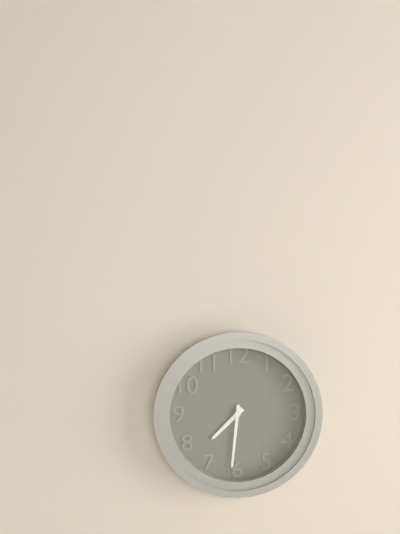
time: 7:31
